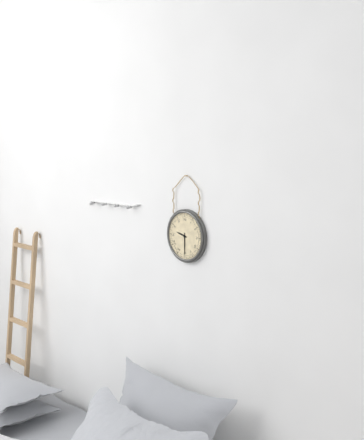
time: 9:30
